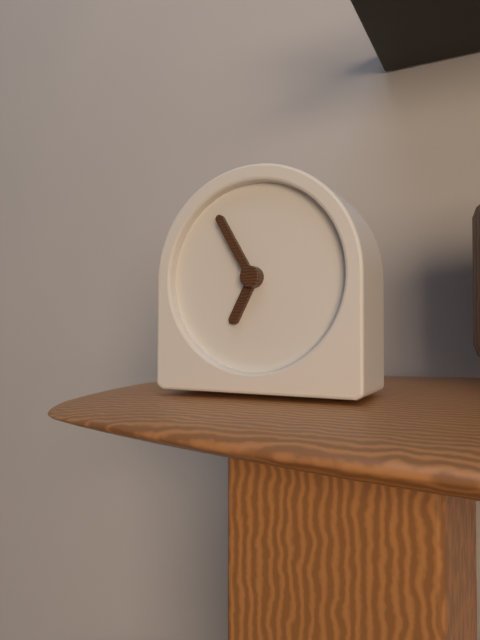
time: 6:55
